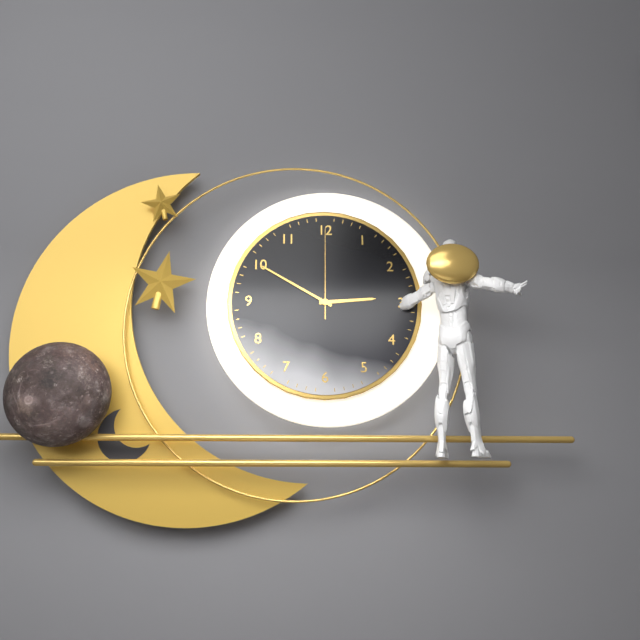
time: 2:50:00
